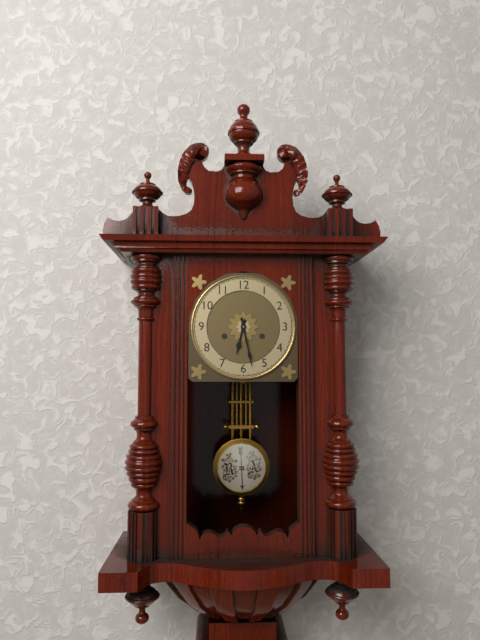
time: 6:28
